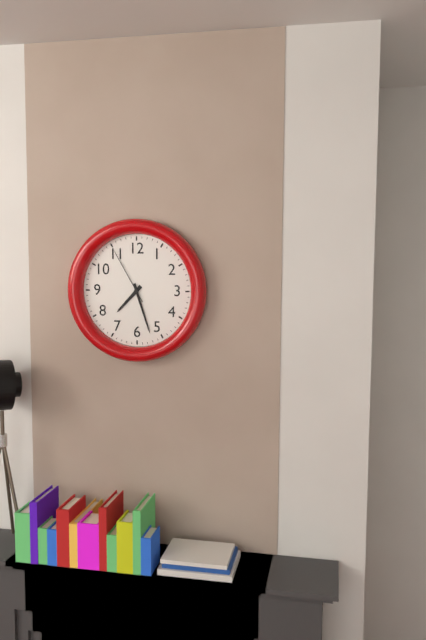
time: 7:27:55
